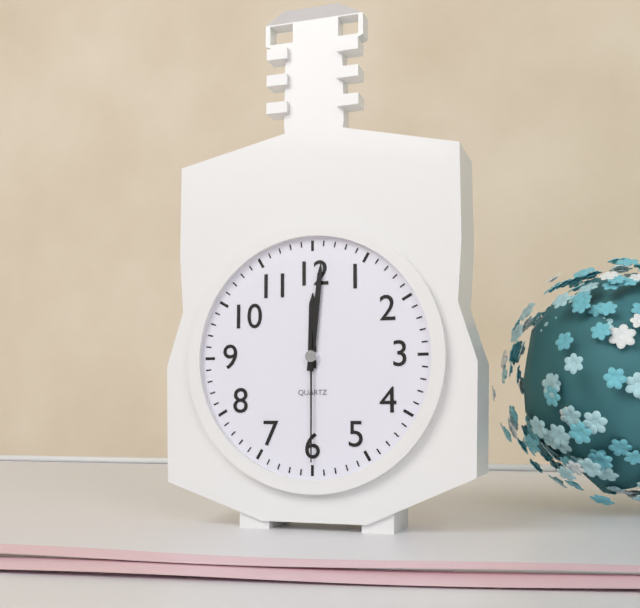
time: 12:01:30
